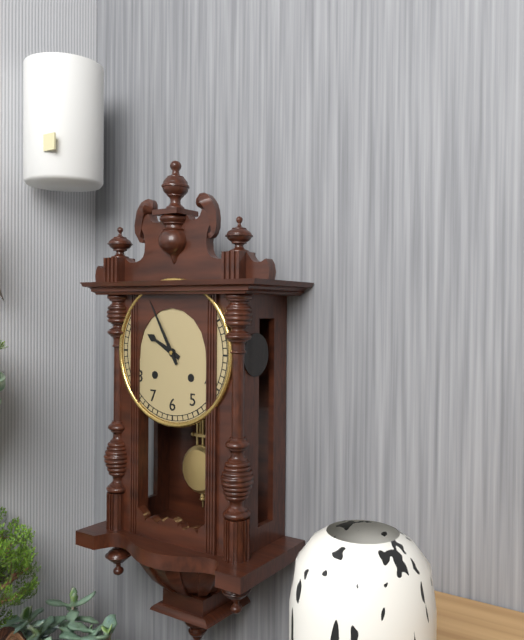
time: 9:55
